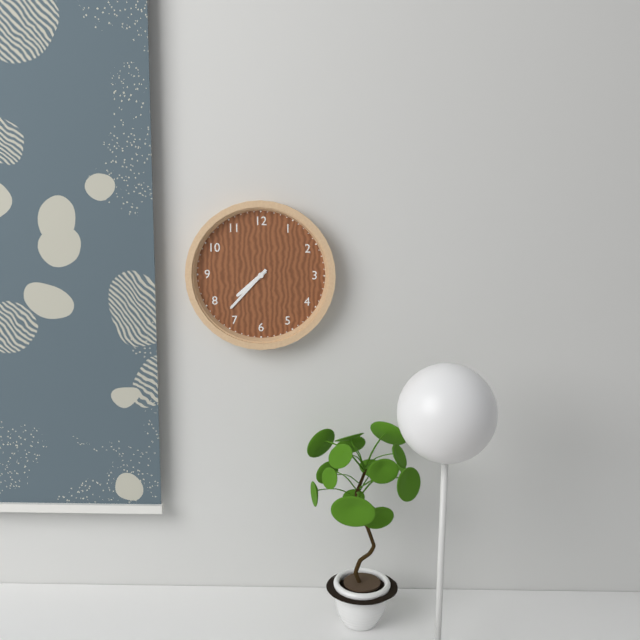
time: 7:37
